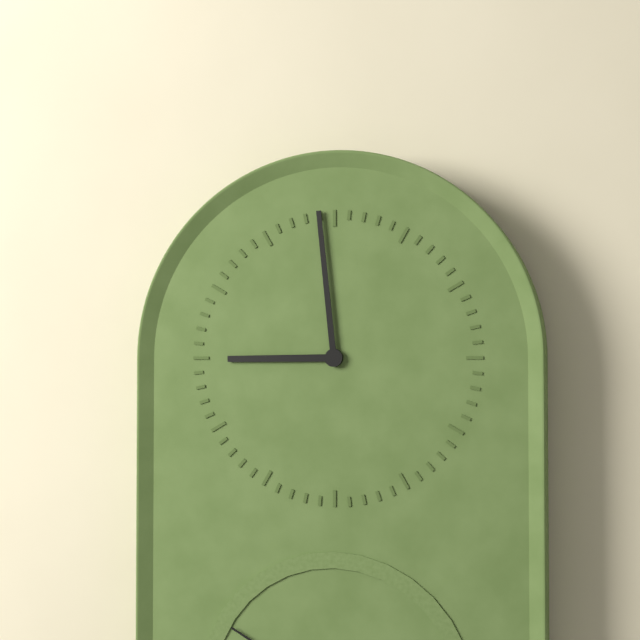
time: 8:59:50
